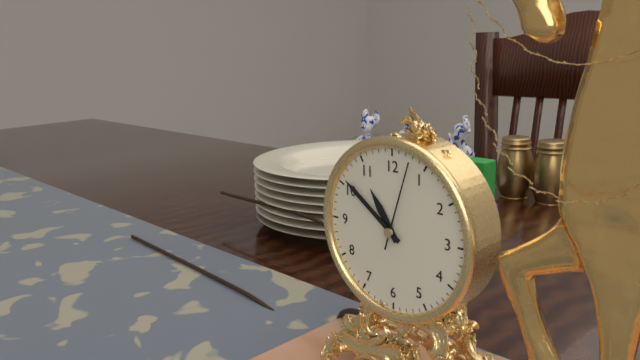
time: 10:51:03
